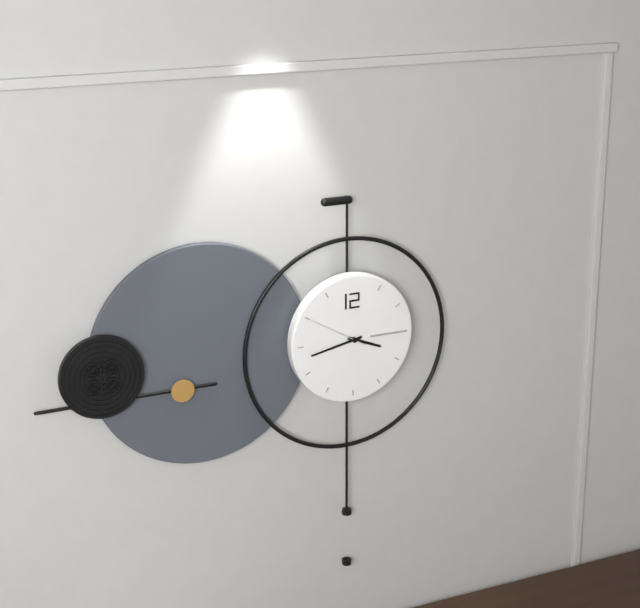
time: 3:43
